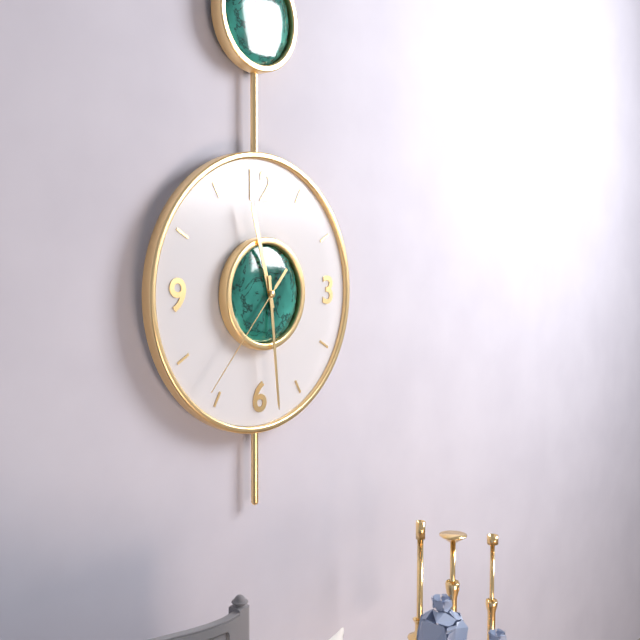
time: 11:29:37
